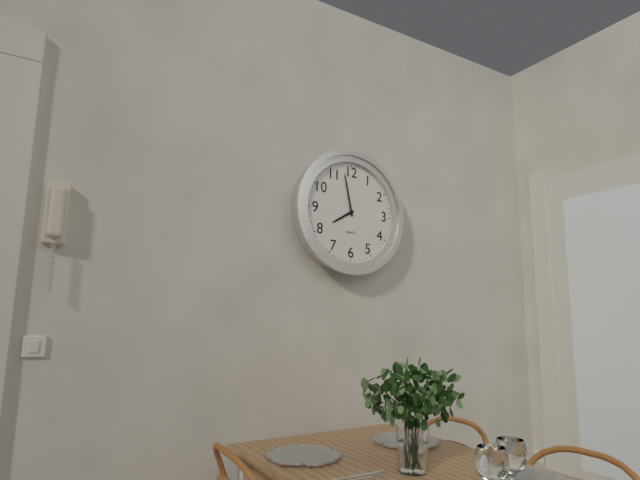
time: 7:58
